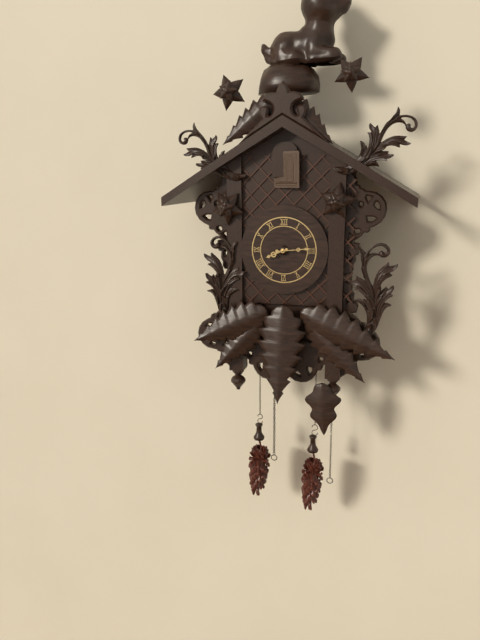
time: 8:14
